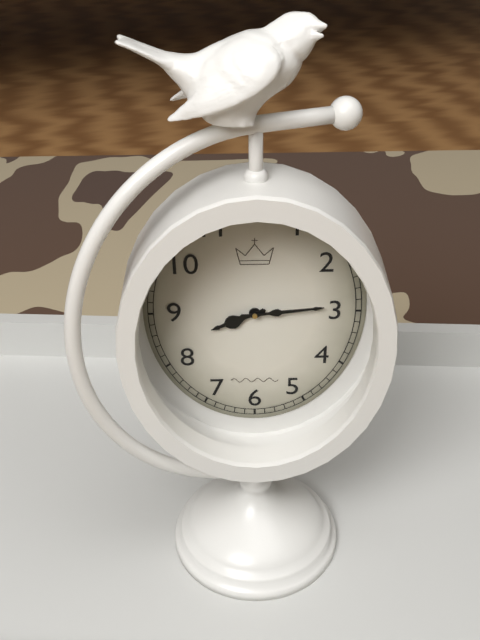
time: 8:14
